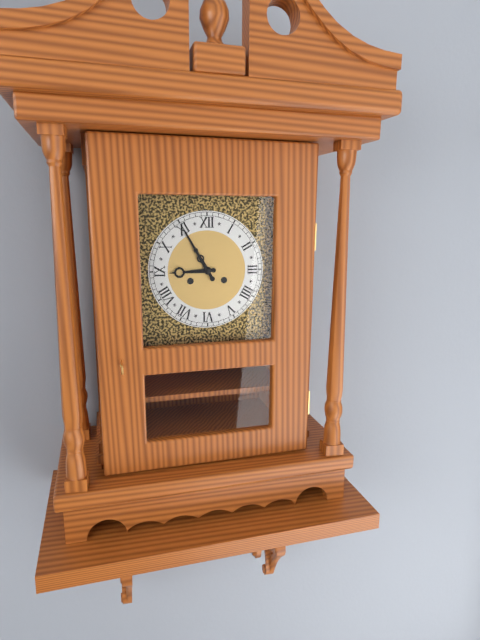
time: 8:55
